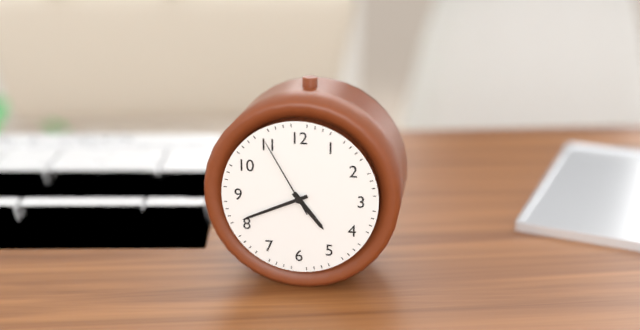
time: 4:41:55
